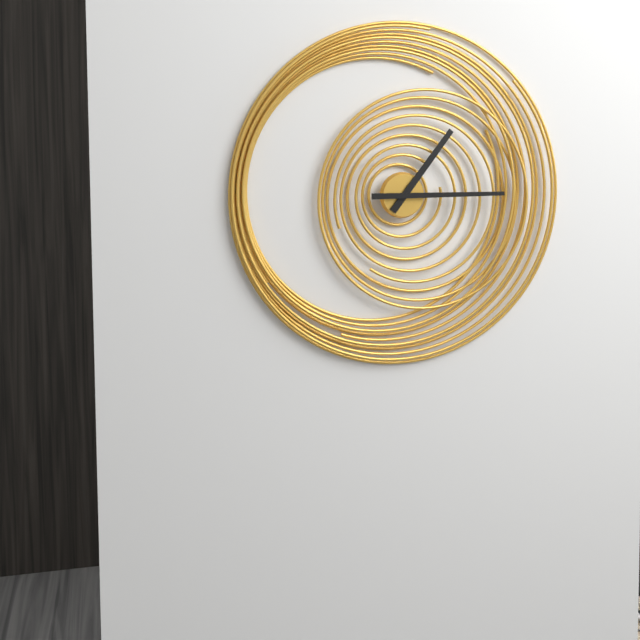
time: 1:15
